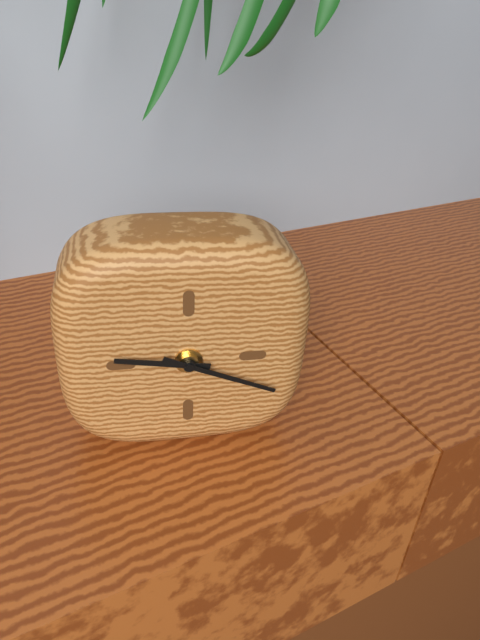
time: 9:19
